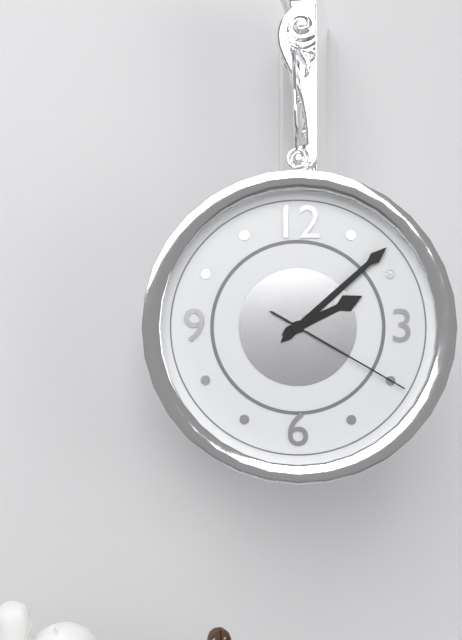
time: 2:08:20
